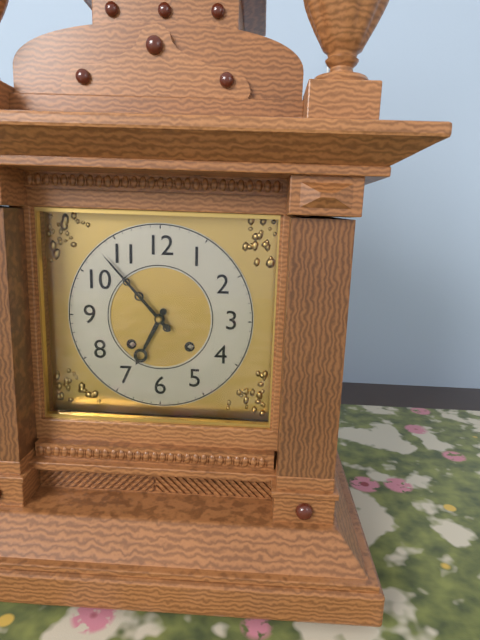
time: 6:53
